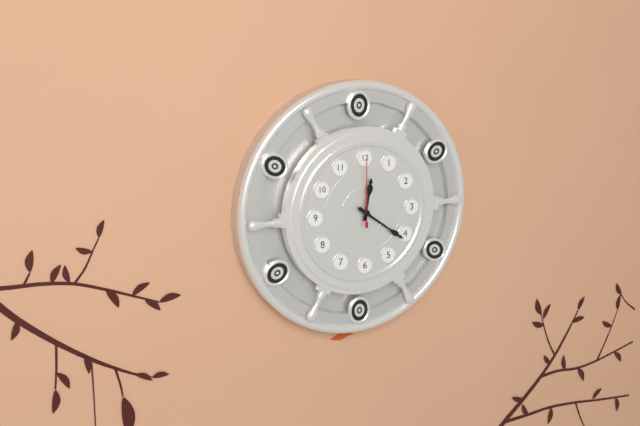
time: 12:21:00
